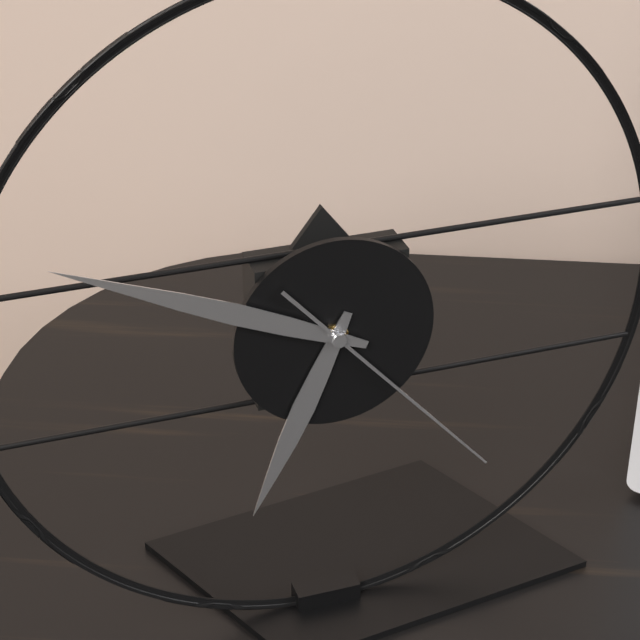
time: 6:49:23
